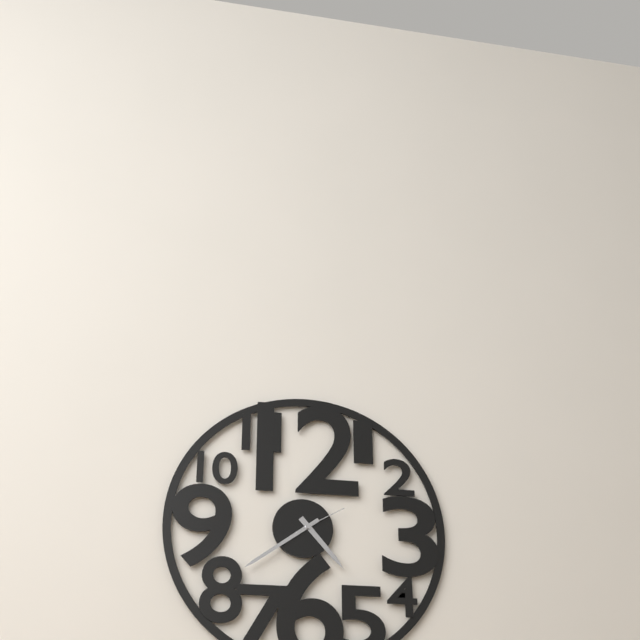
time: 4:39:10
